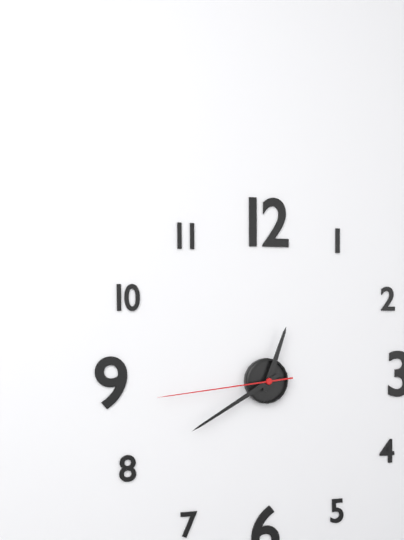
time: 12:40:44
